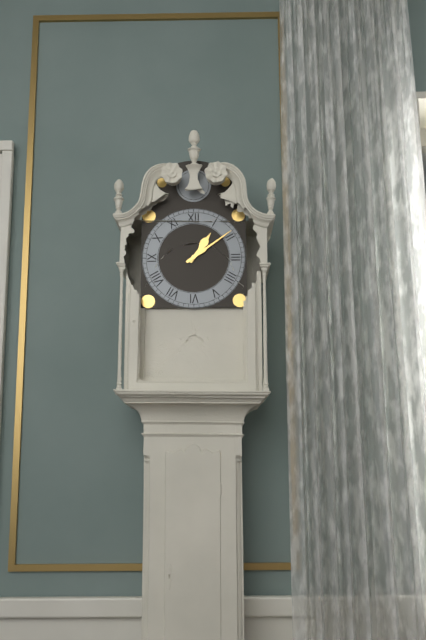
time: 1:09
